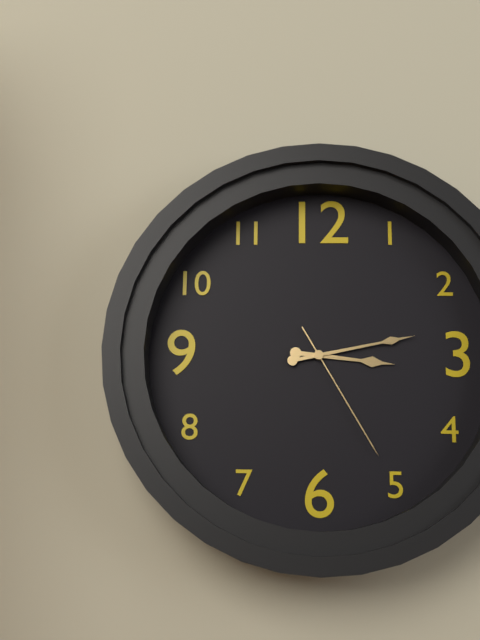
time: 3:13:25
